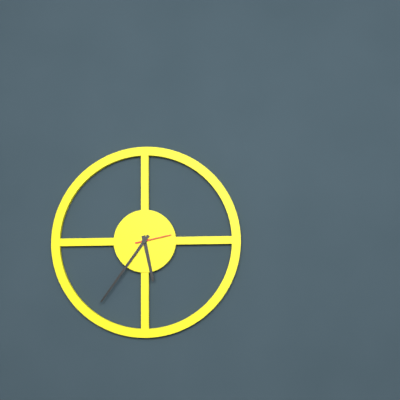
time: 5:36
